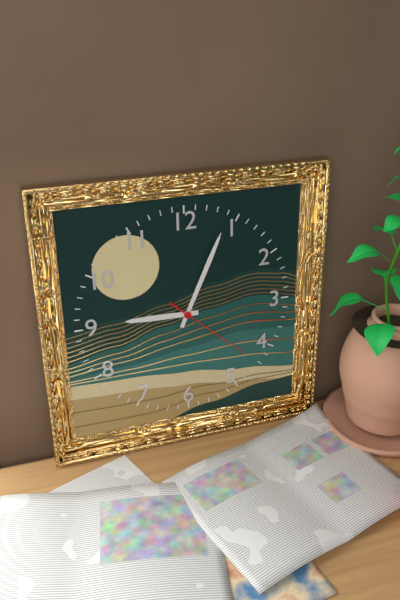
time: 9:04:22
